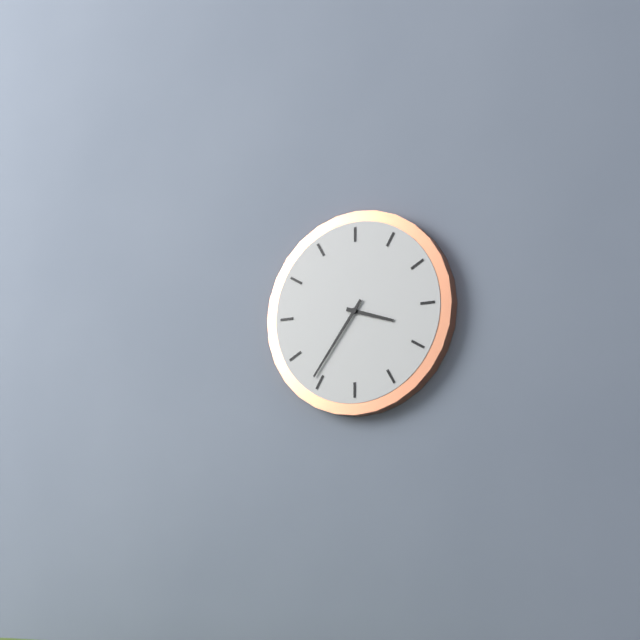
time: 3:36
